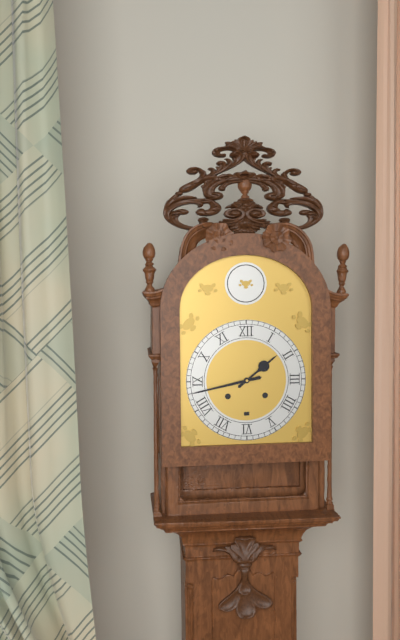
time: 1:43
